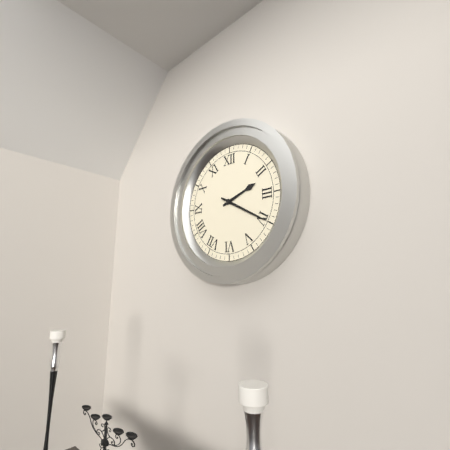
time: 2:20
